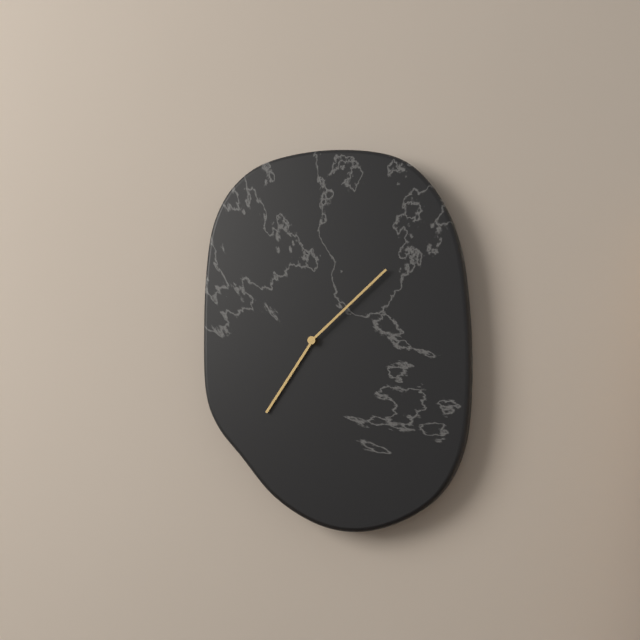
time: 7:08
